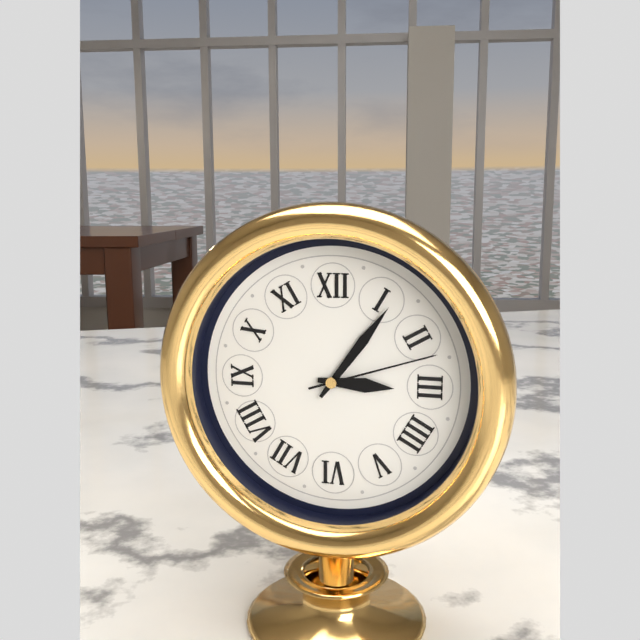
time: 3:06:12
